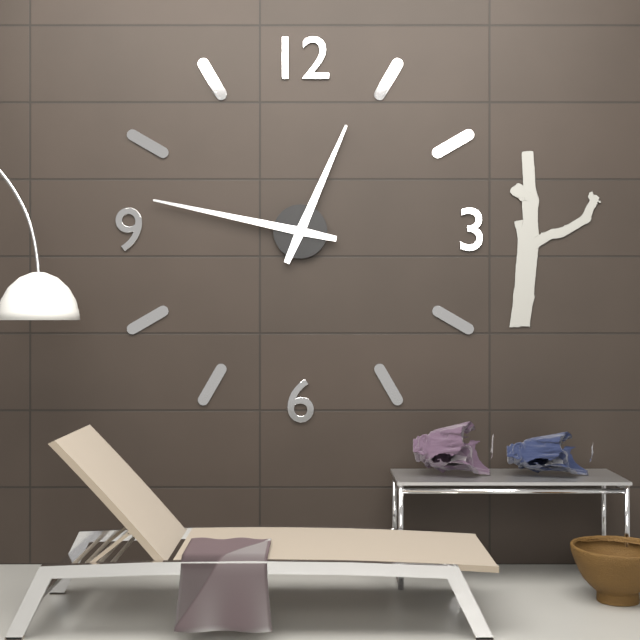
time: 12:47
